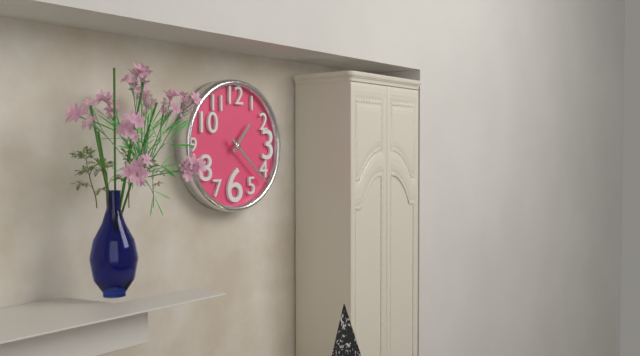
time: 1:22
